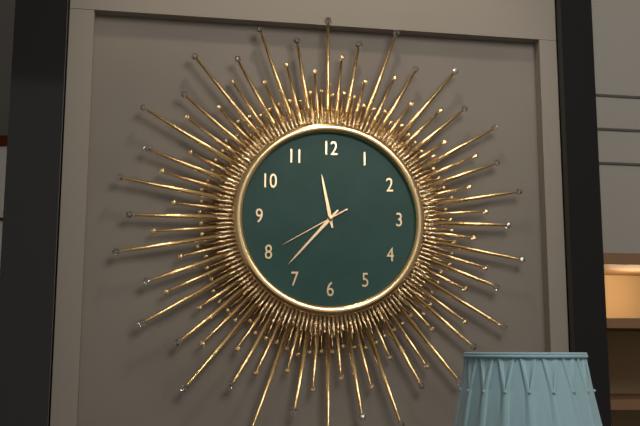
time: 11:37:40
